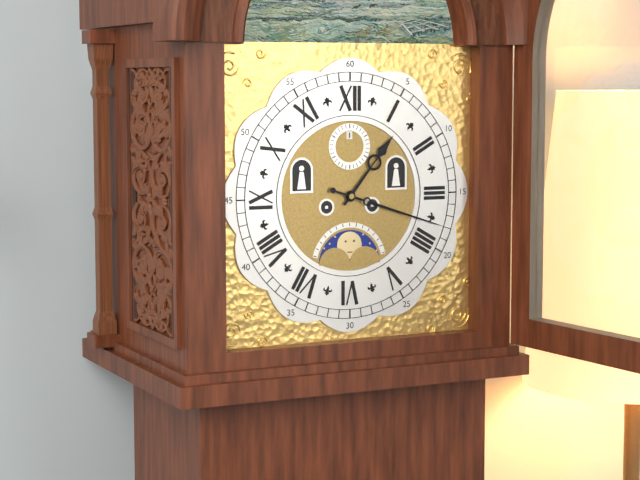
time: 1:18
